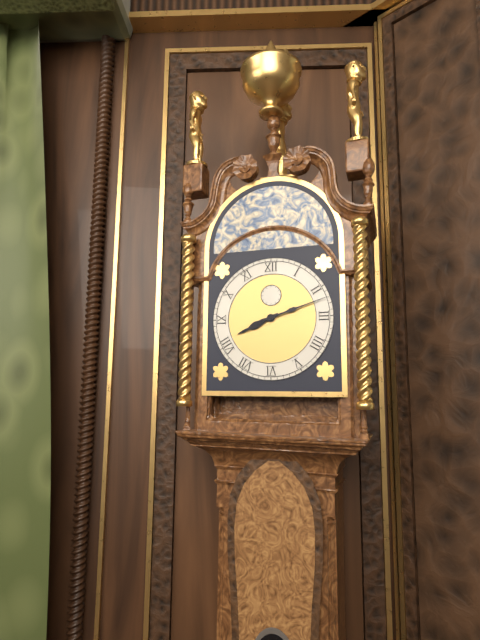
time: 8:12
